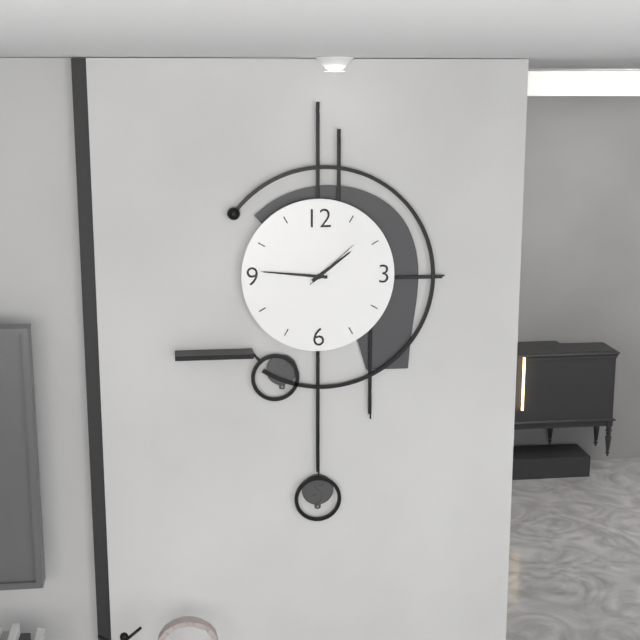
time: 1:46:08
